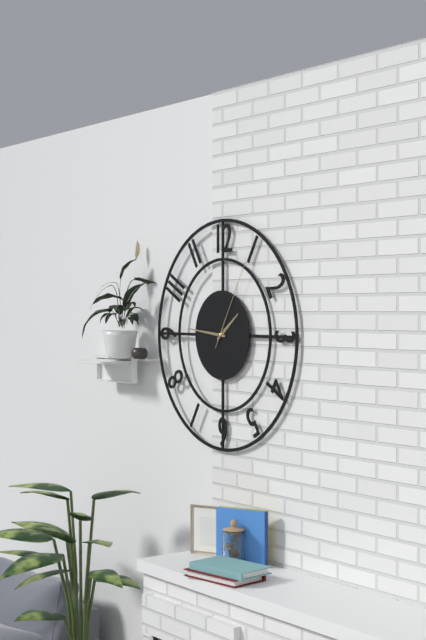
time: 1:46:05
